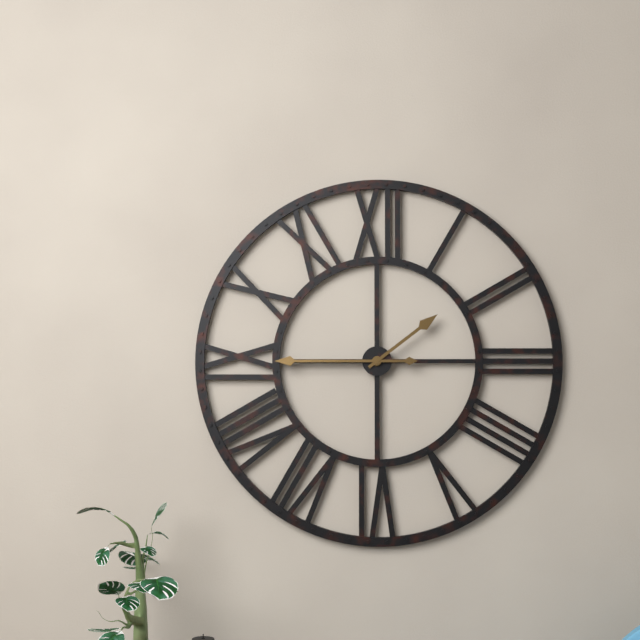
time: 1:45
